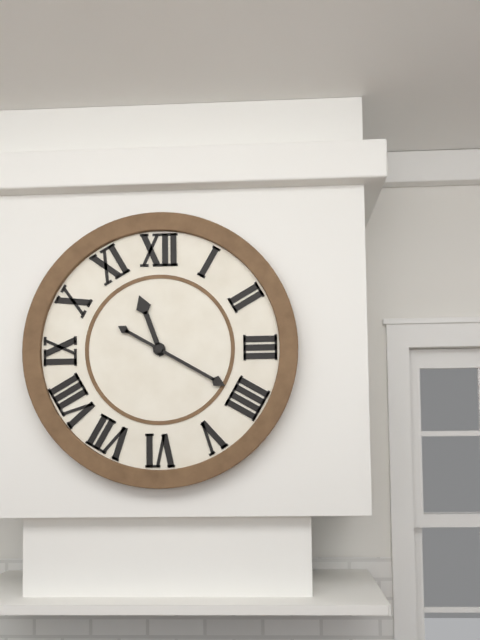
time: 11:20
